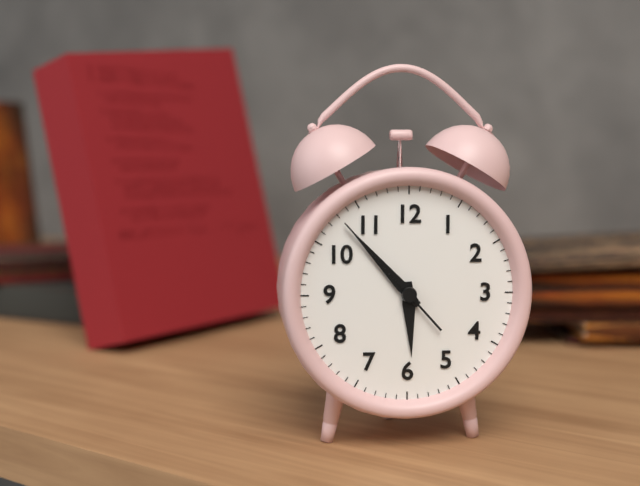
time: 5:53:53
